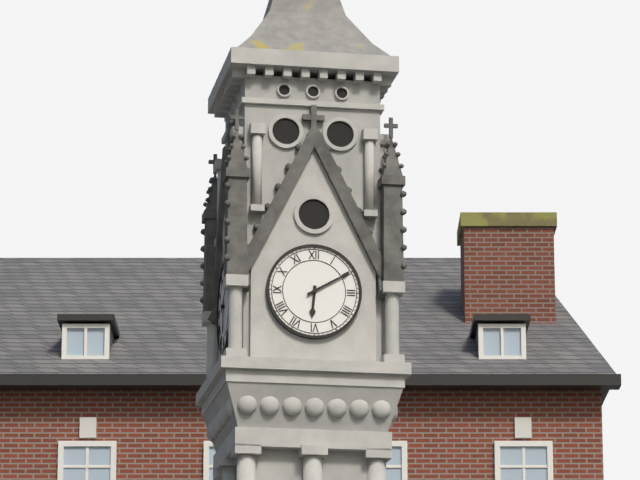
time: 6:10
